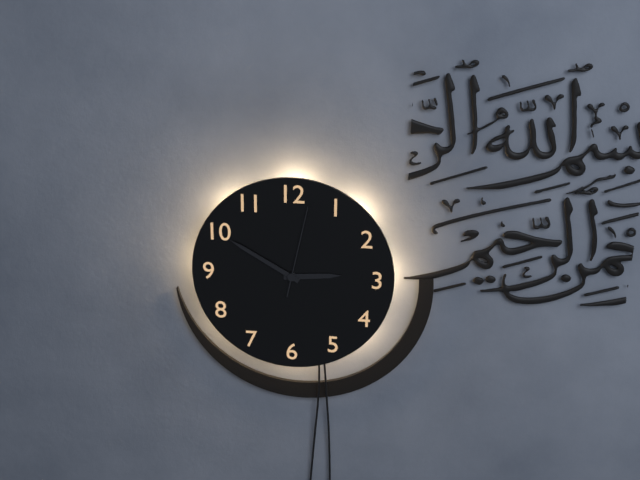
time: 2:50:02
